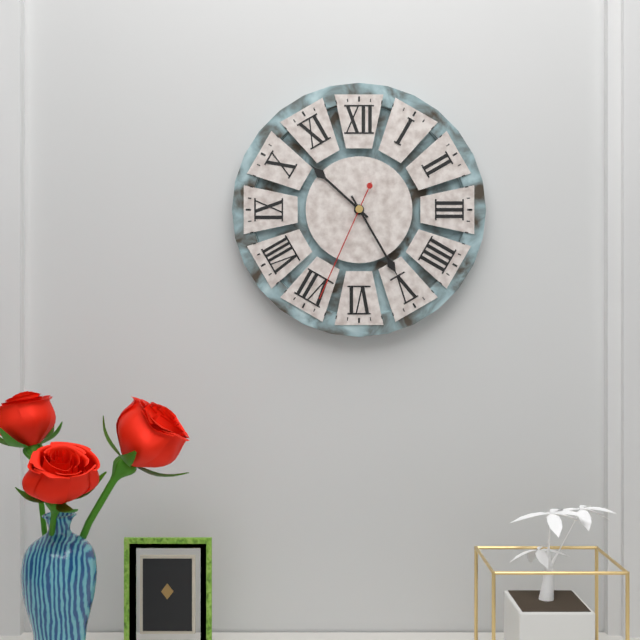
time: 10:25:34
